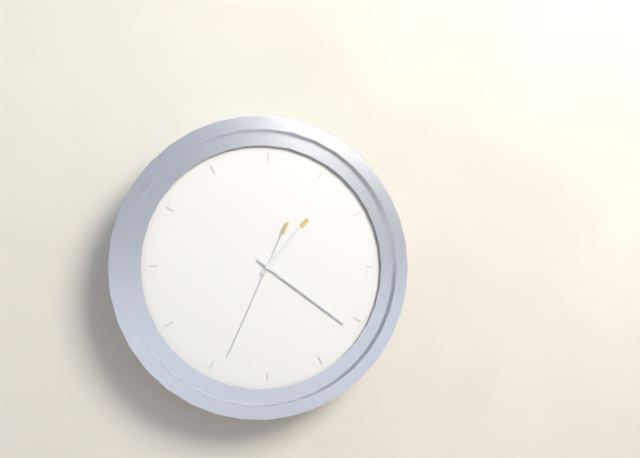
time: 1:21:34
